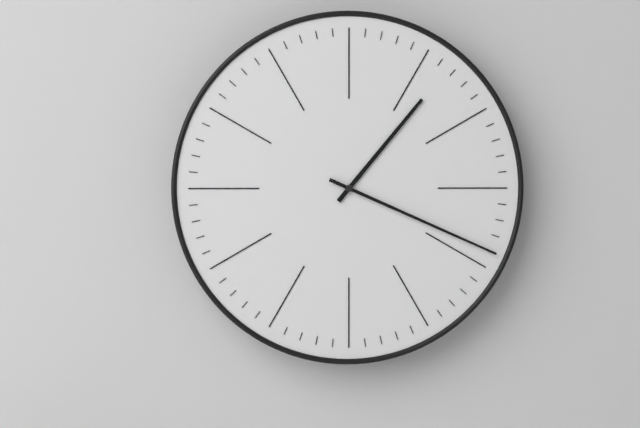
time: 1:19
